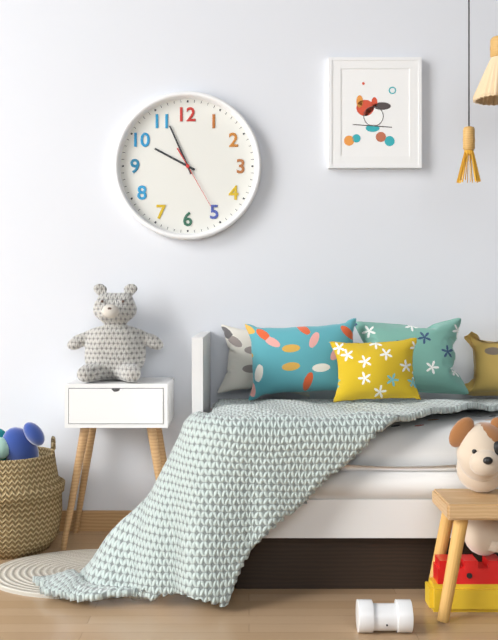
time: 9:56:25
